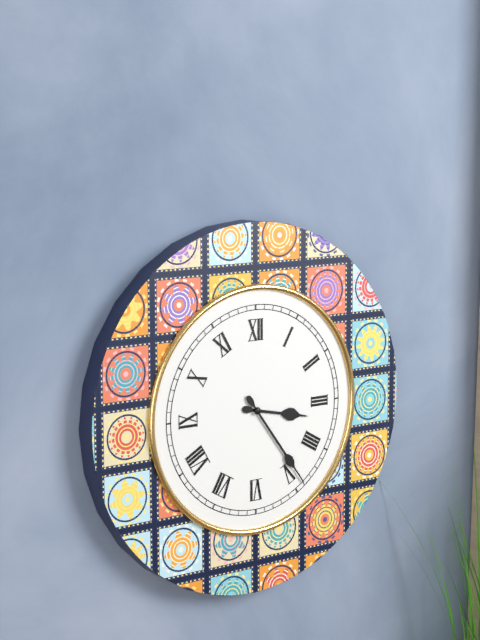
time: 3:24
